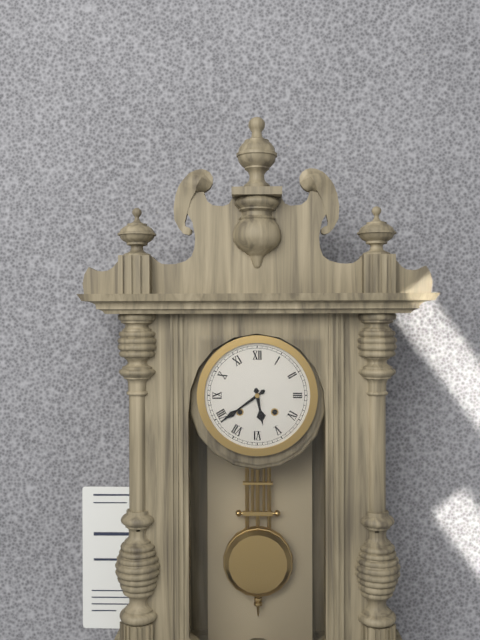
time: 5:39
